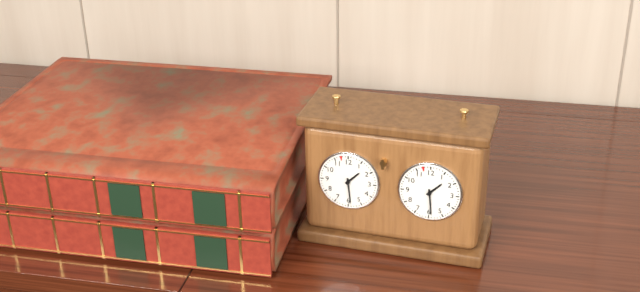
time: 1:29
